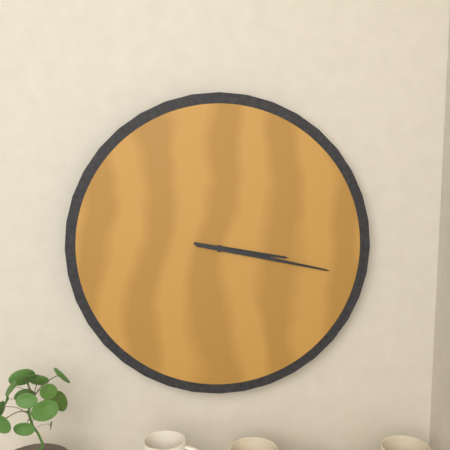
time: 3:17
